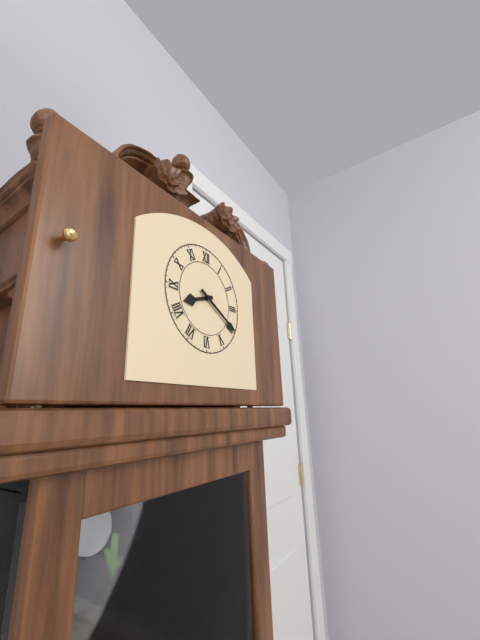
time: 8:20
